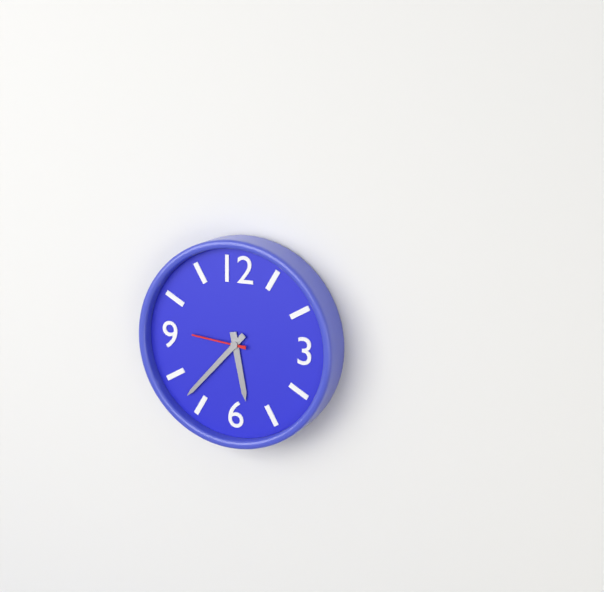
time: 5:37:46
